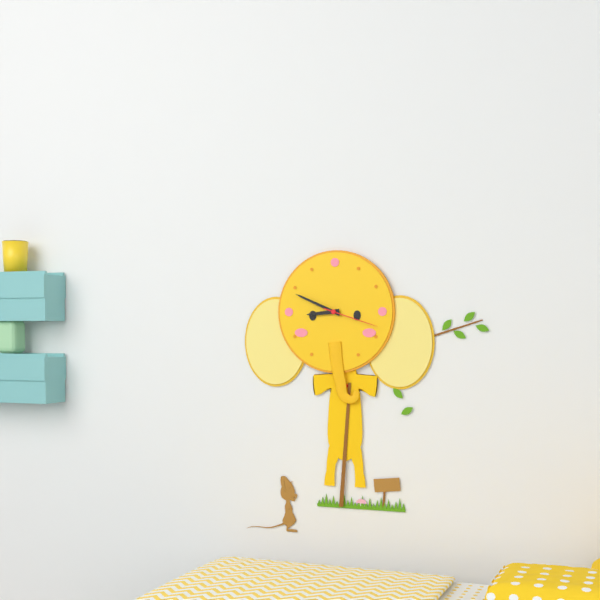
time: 8:49:18
